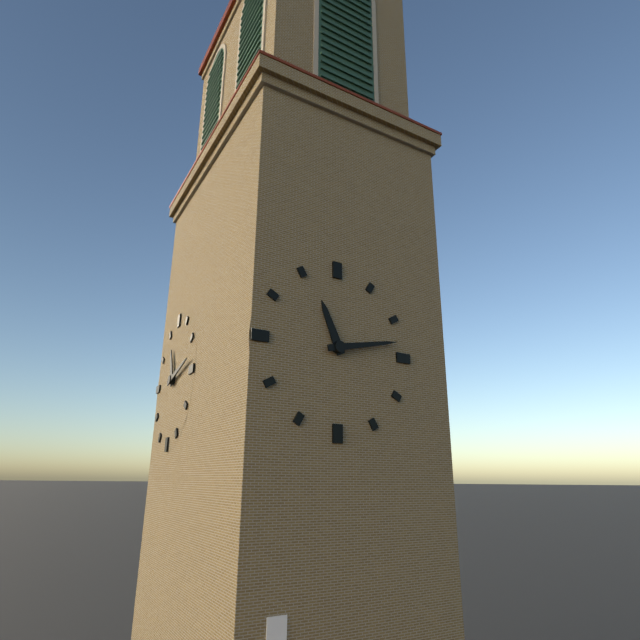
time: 11:13
